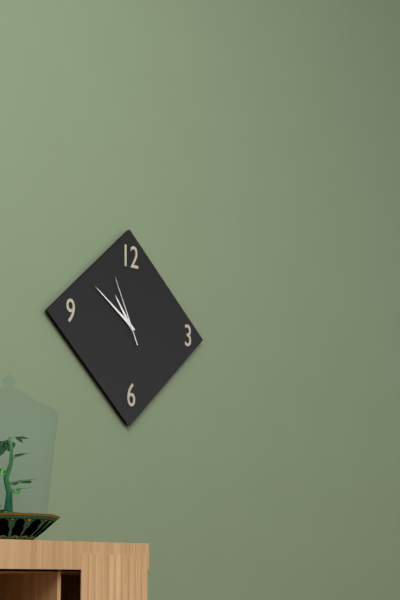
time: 10:51:56
